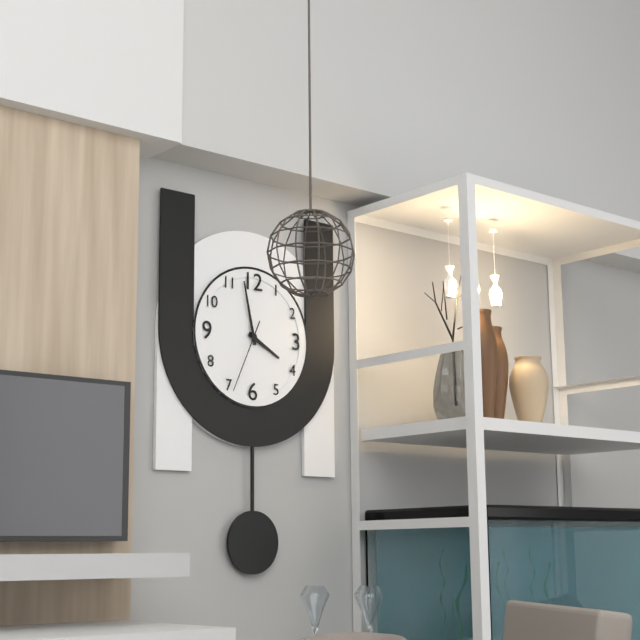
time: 3:58:34
